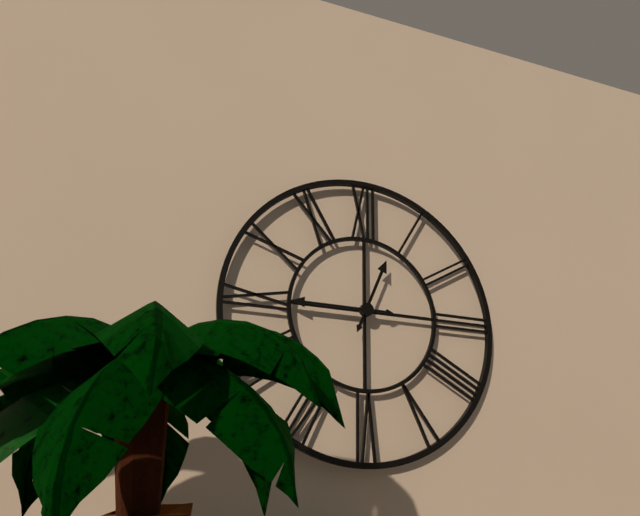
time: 12:45
